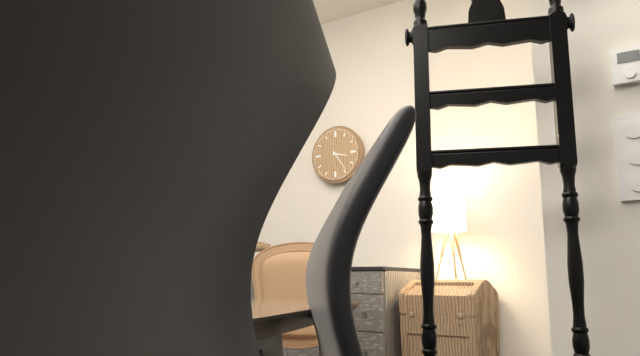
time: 3:24
